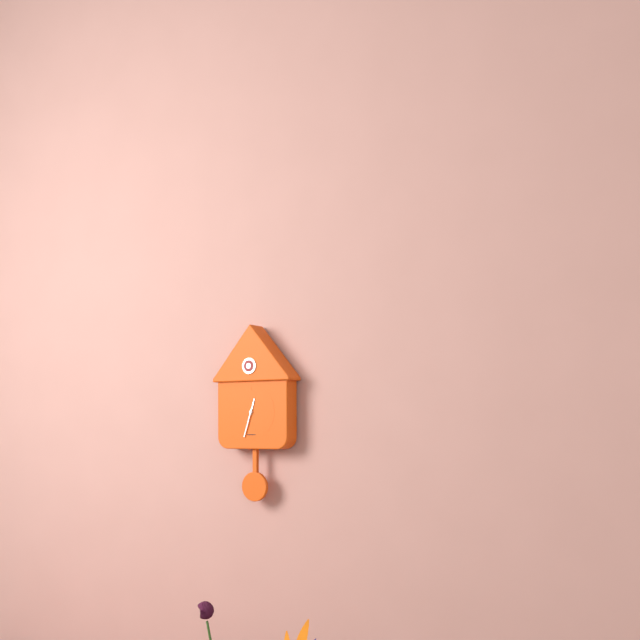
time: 12:33
